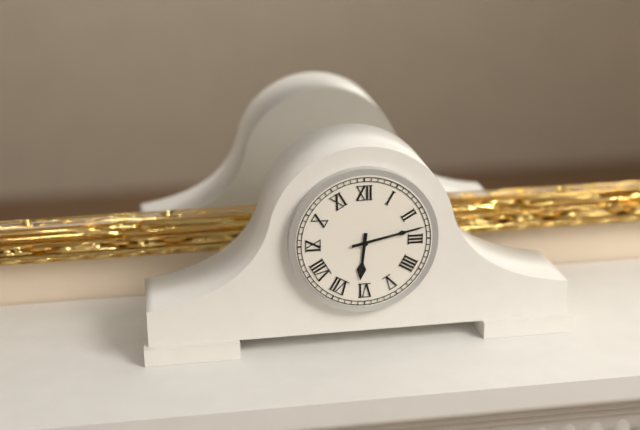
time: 6:13
